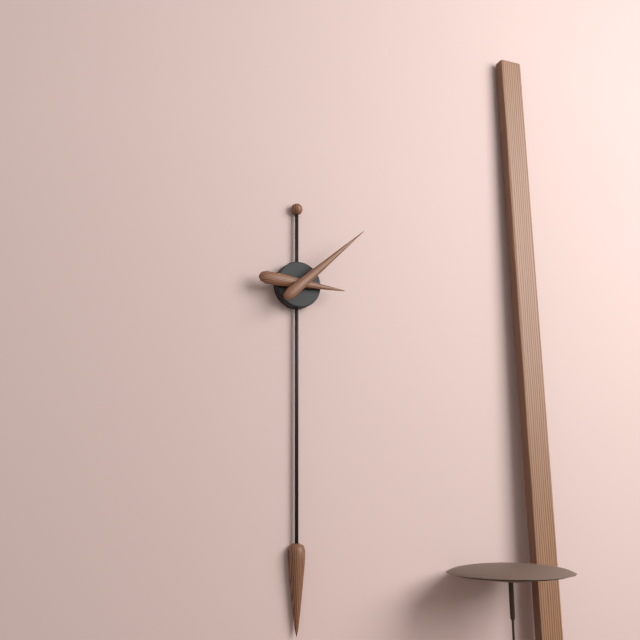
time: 3:08
